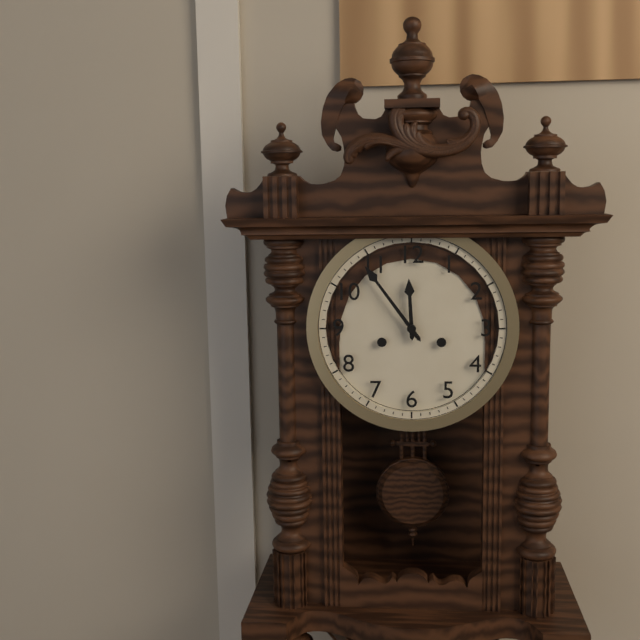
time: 11:54
